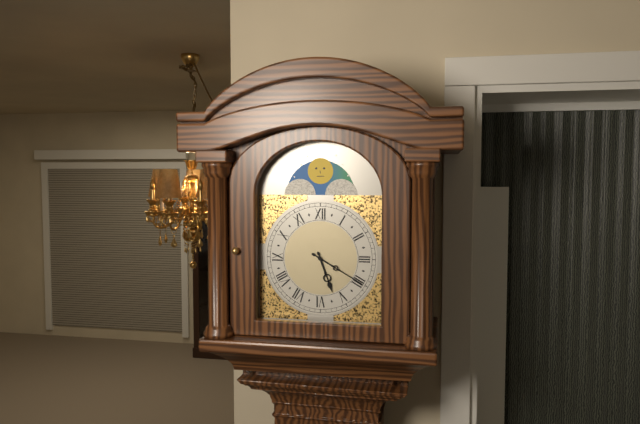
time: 5:20
